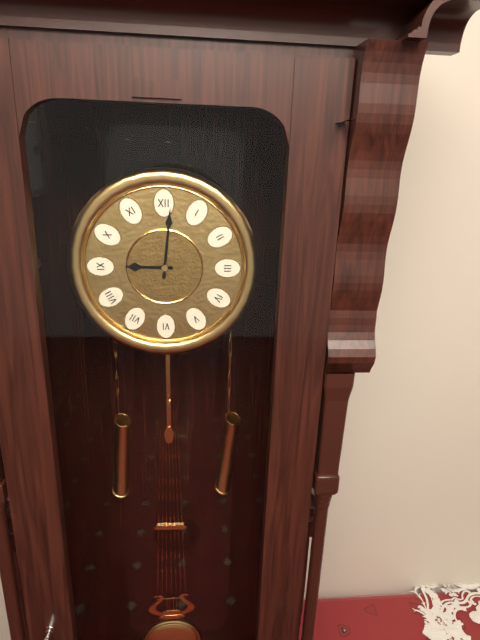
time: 9:01
